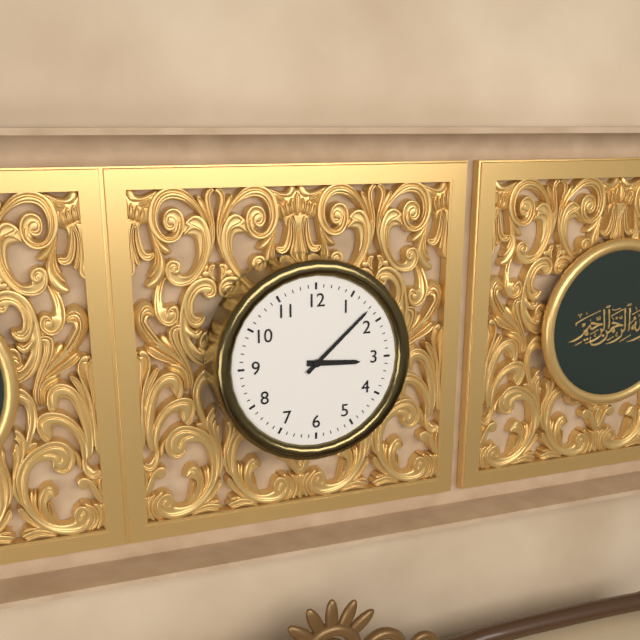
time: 3:08
